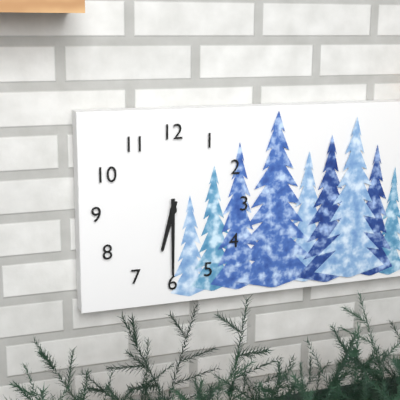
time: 6:30
